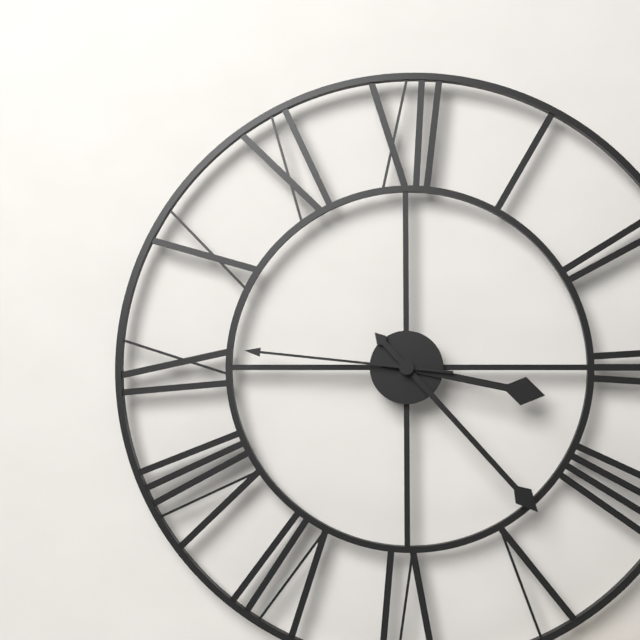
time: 3:23:46
